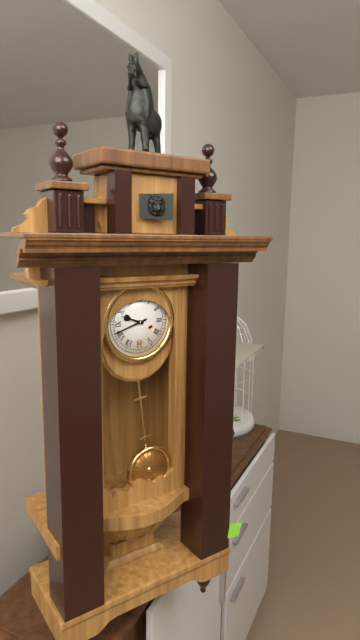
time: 9:42
